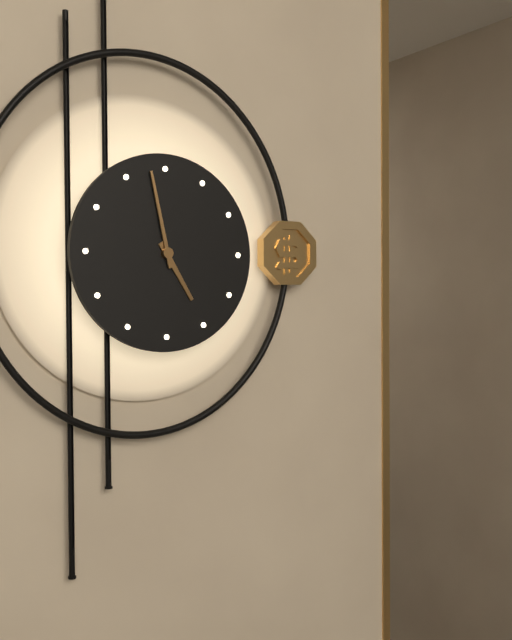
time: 4:58
